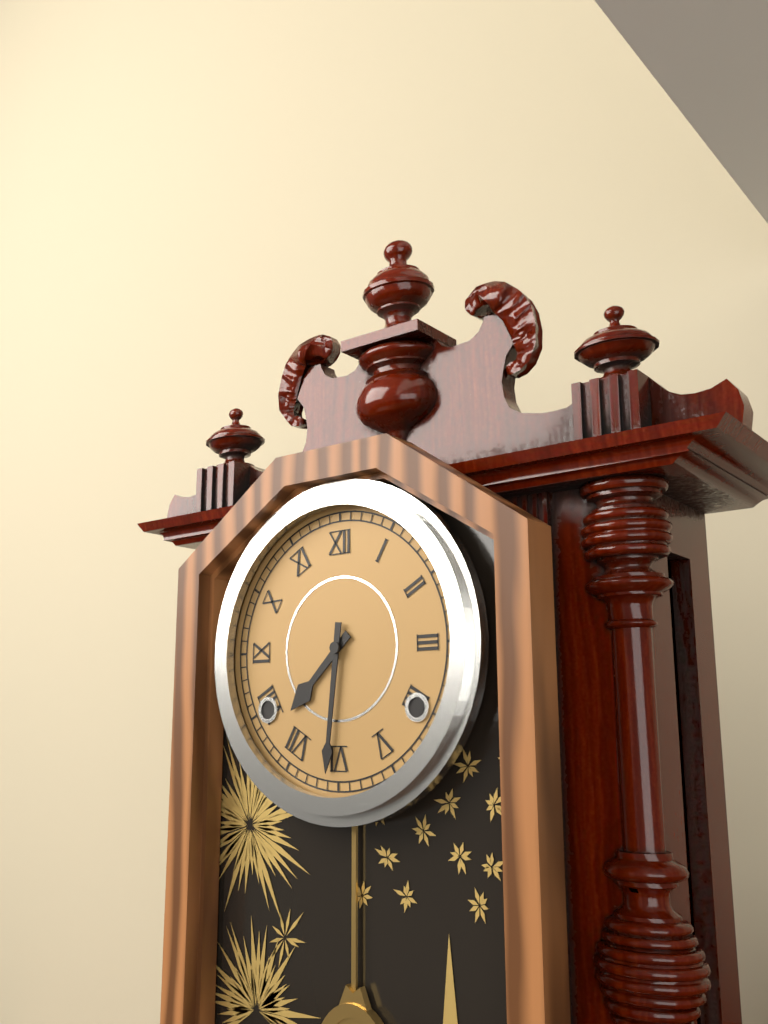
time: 7:31
